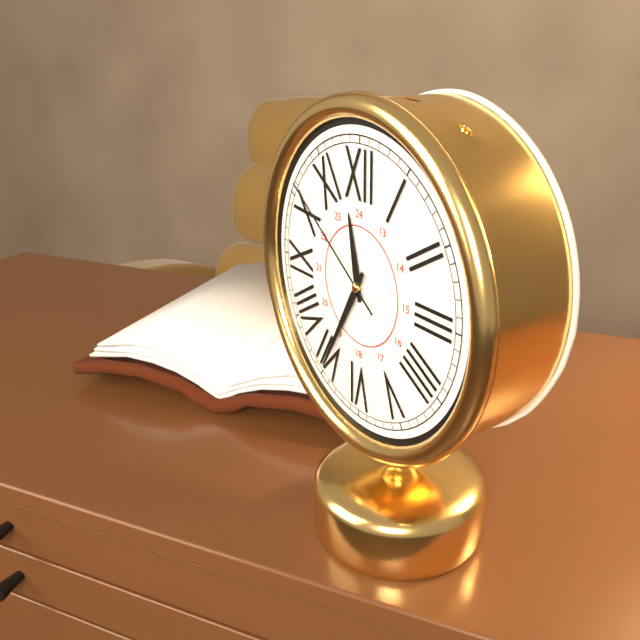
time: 11:35:51
